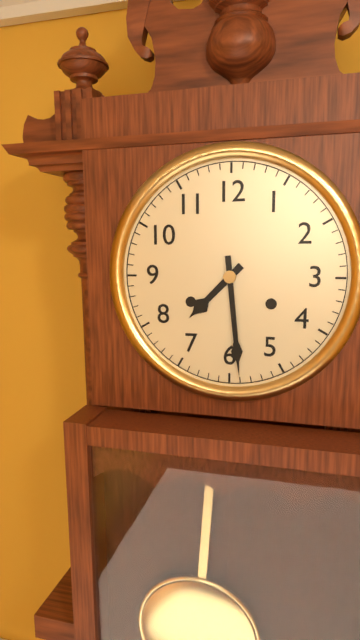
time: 7:29
